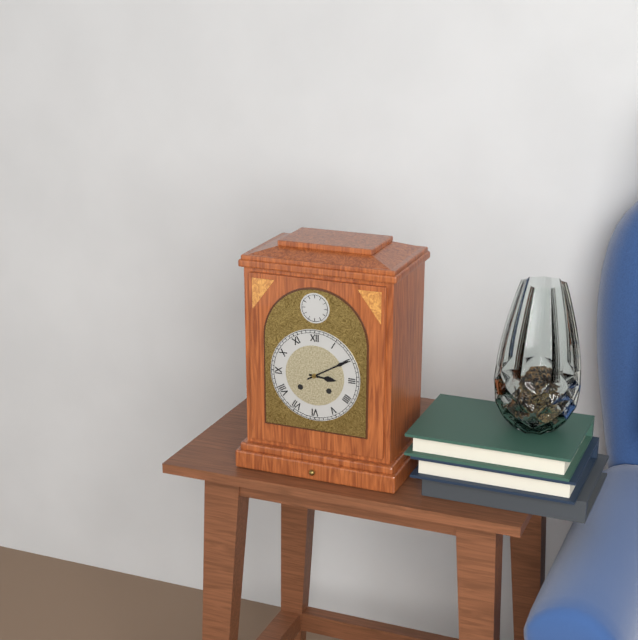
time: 3:10
